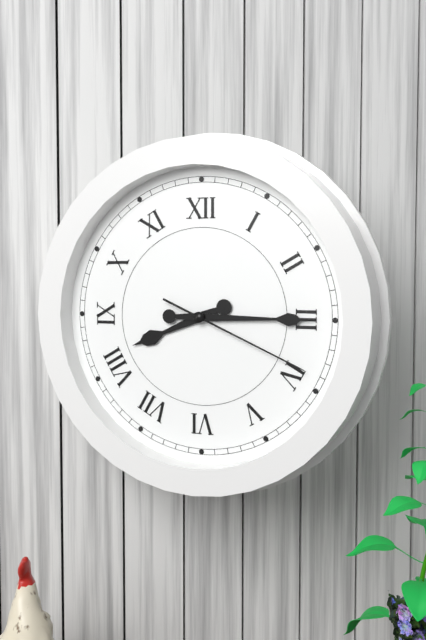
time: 8:15:19
